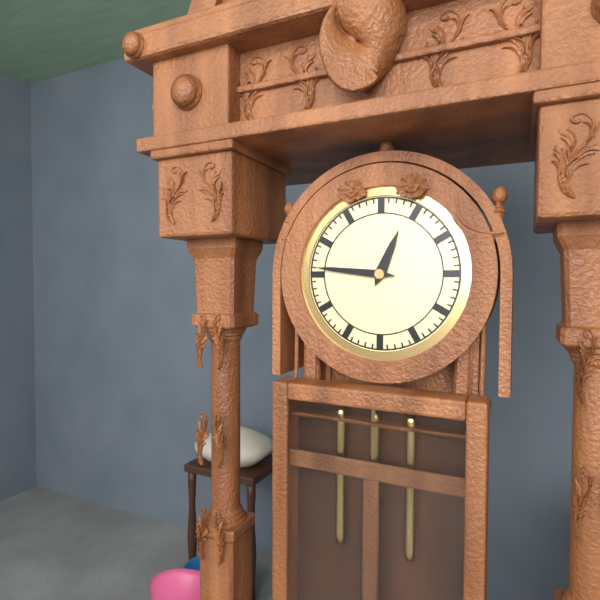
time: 12:46
